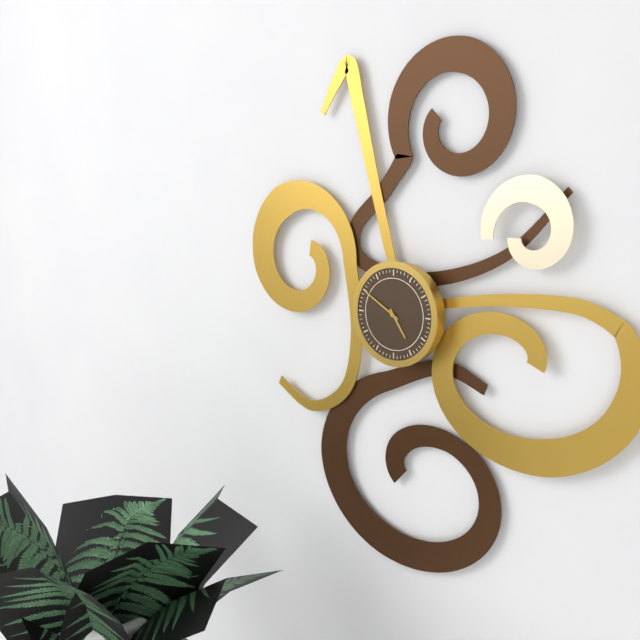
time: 4:50
